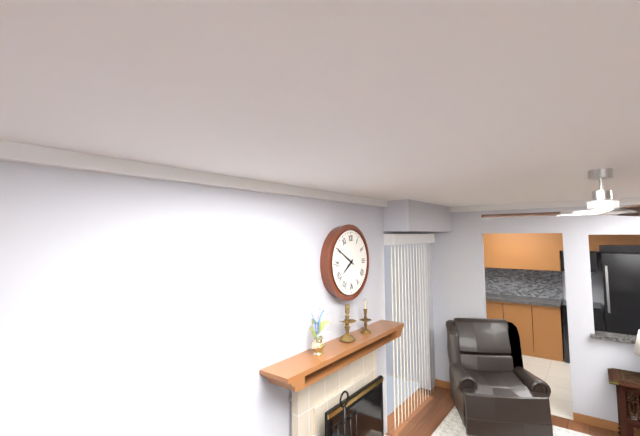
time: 7:50
